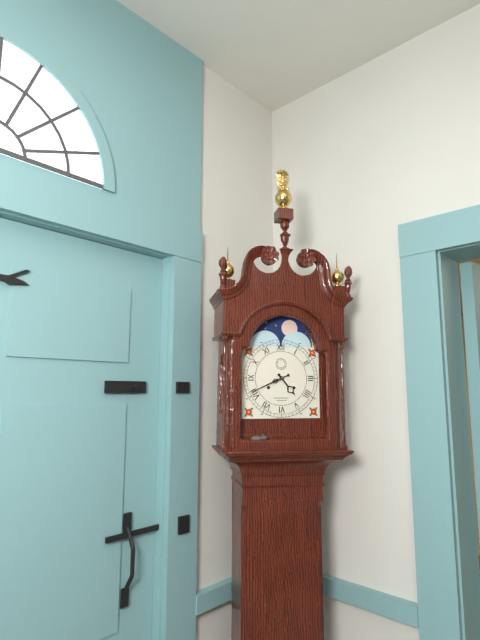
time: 4:41
